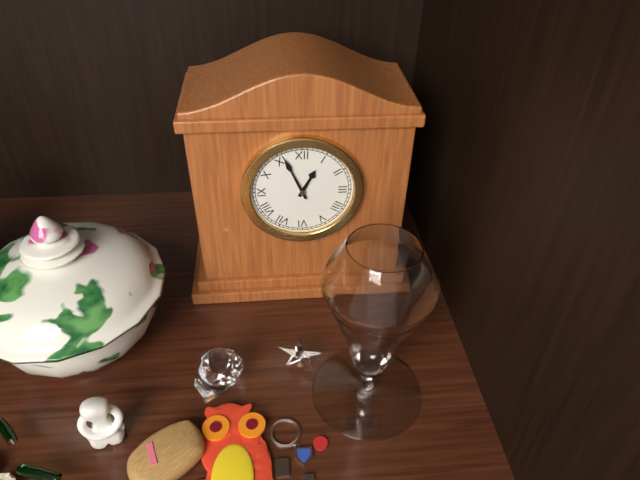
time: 12:56
